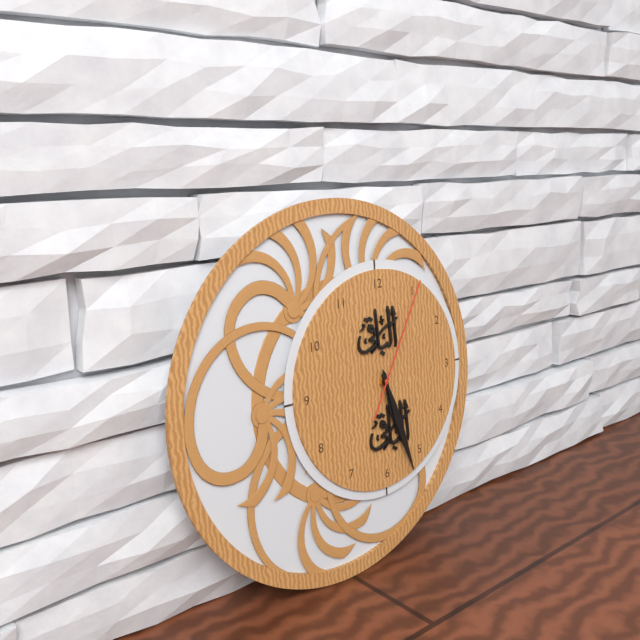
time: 5:27:05
